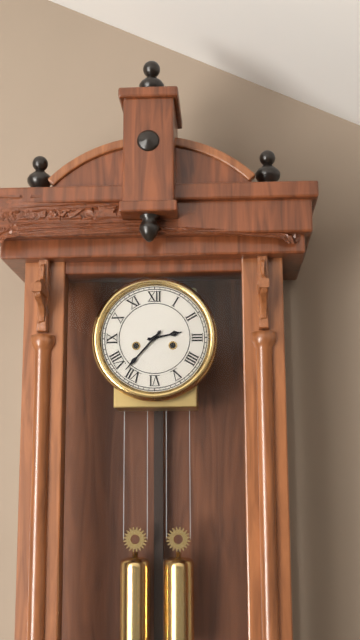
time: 2:37
